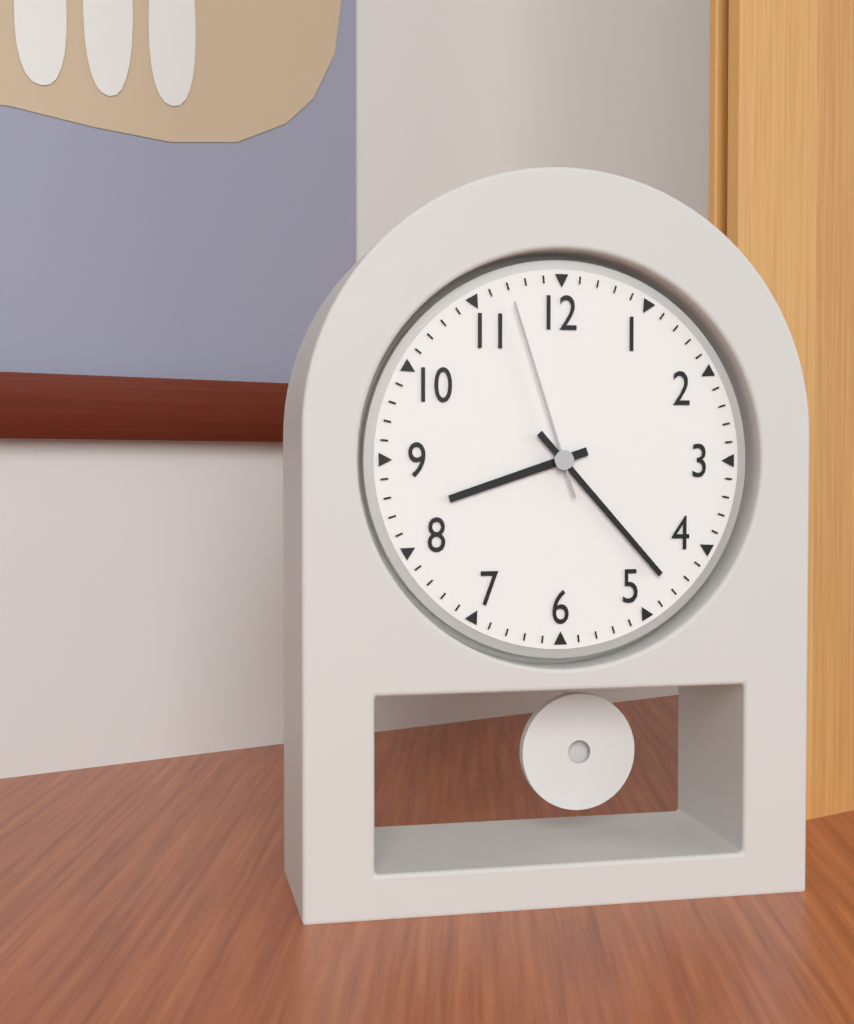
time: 8:23:57
